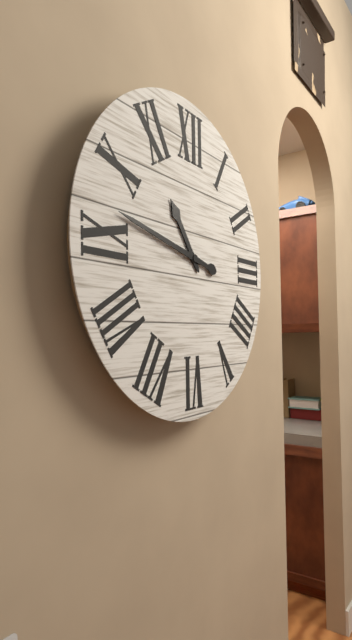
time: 10:47
